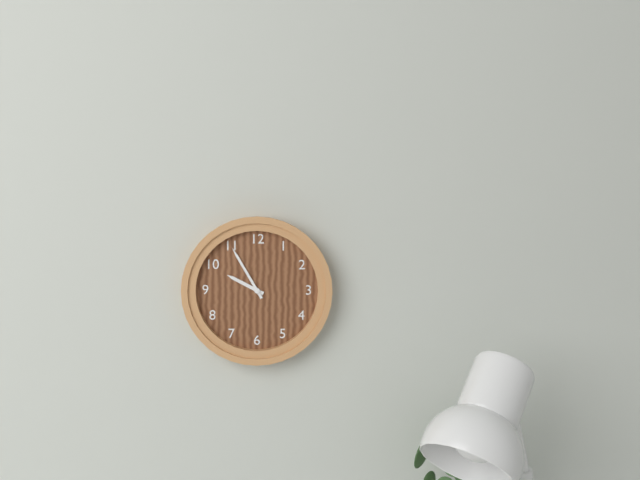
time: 9:55
